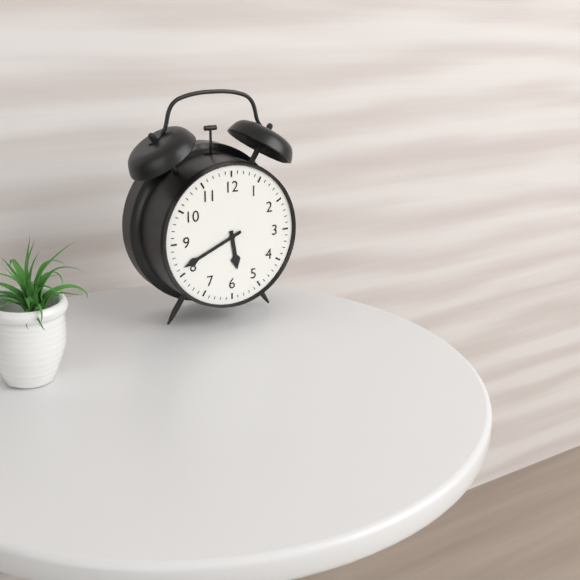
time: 5:41
